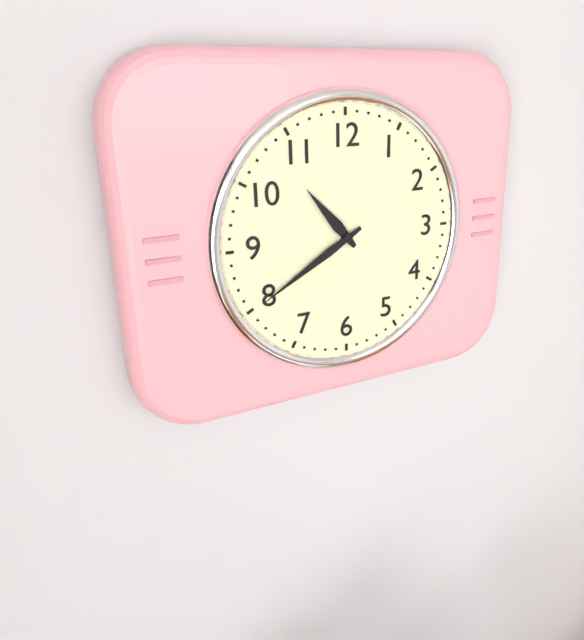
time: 10:40
